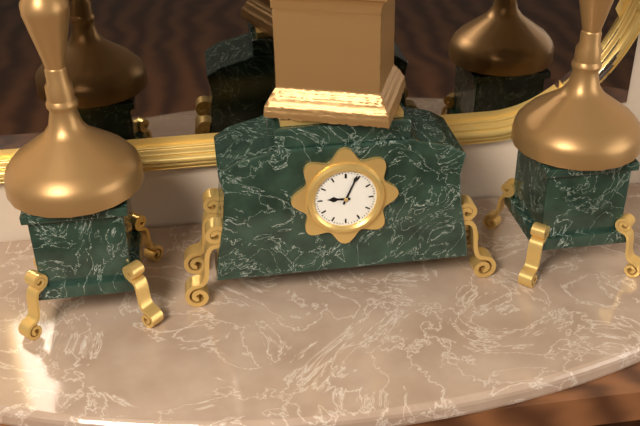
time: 9:04
